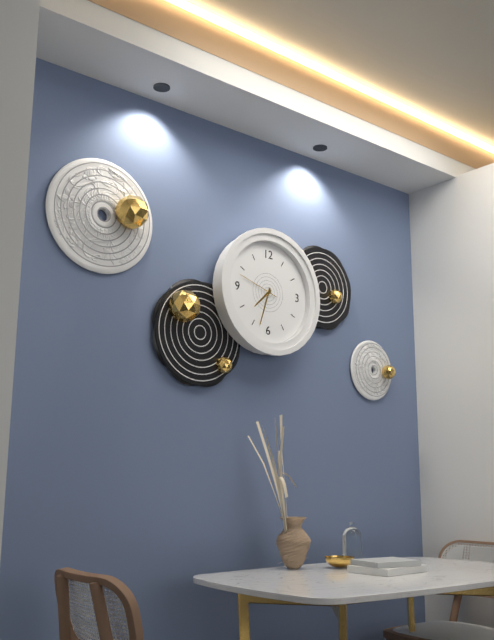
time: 7:33
